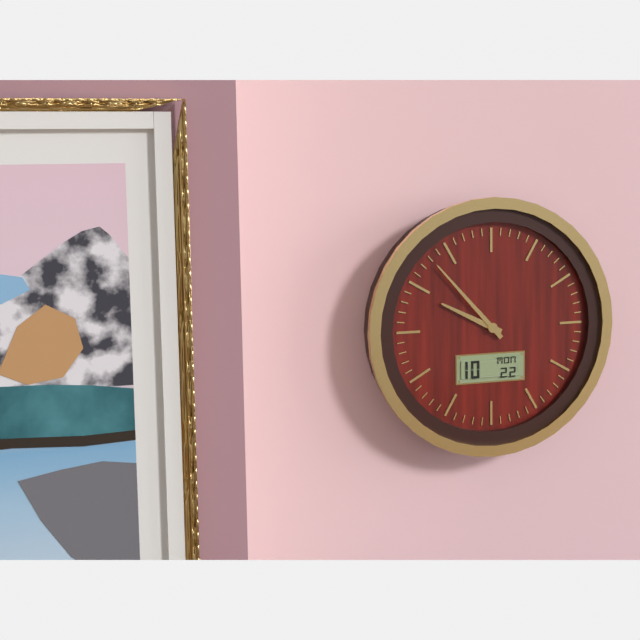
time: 9:53
